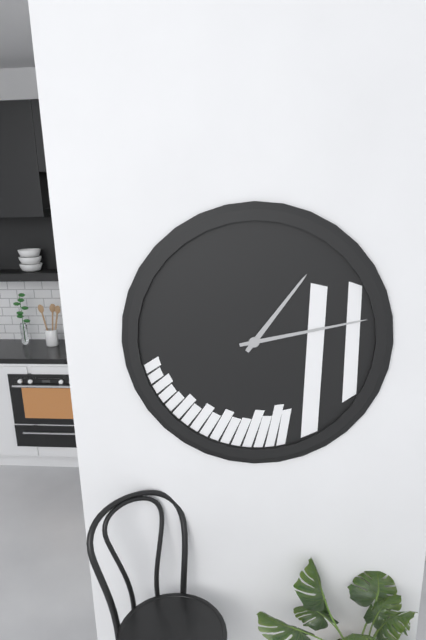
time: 1:13
